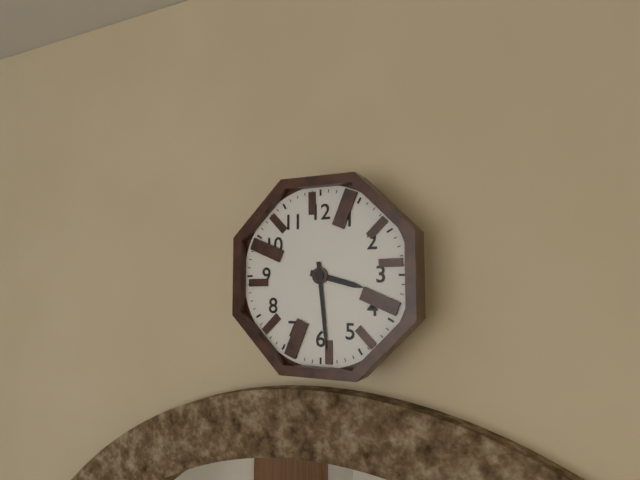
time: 3:29
